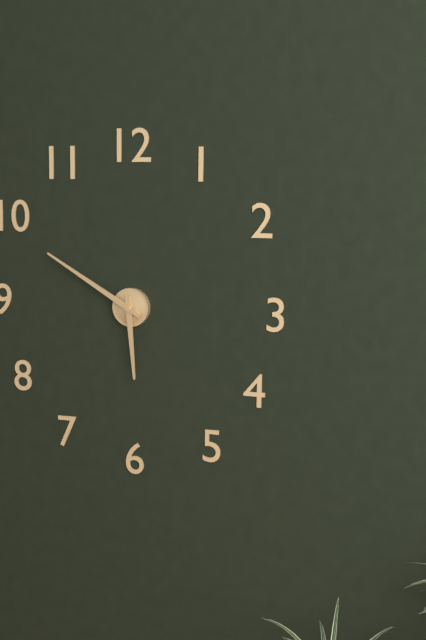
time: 5:50
